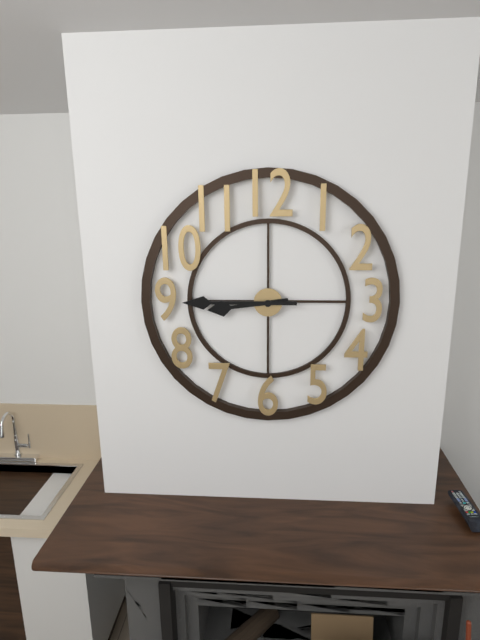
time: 8:45
